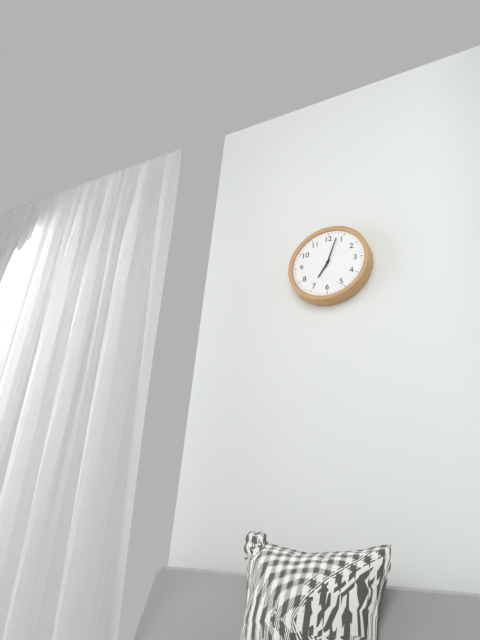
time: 7:03
